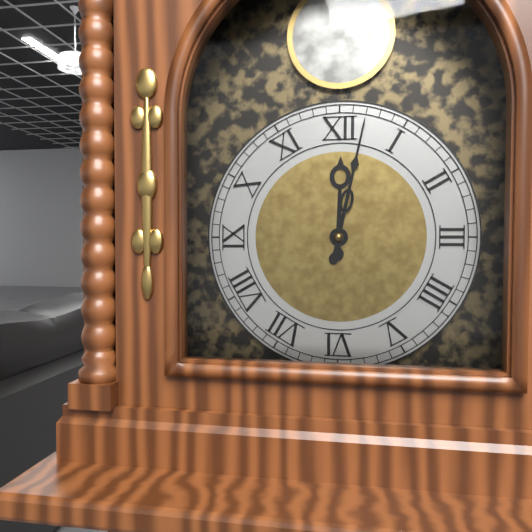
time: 12:02
